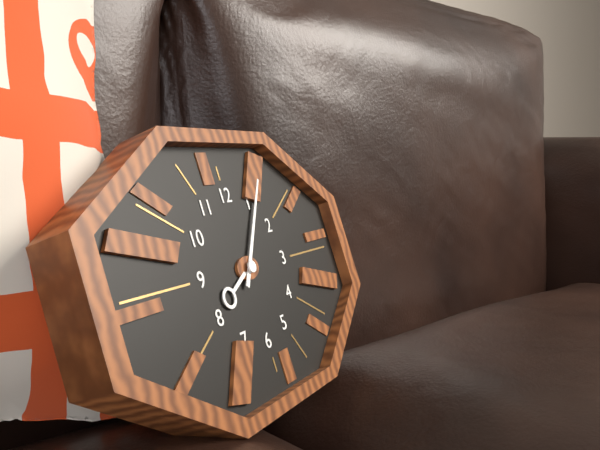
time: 8:06
